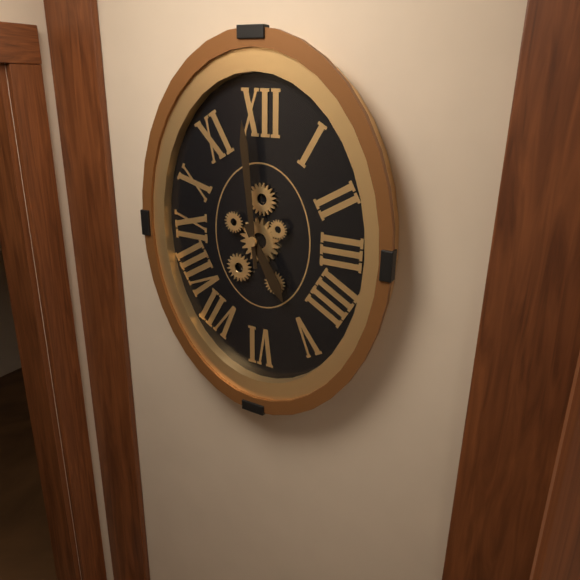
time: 4:59
